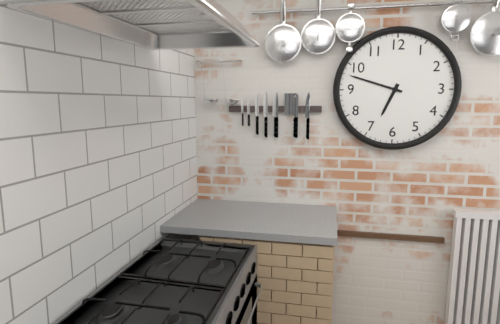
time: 6:48
